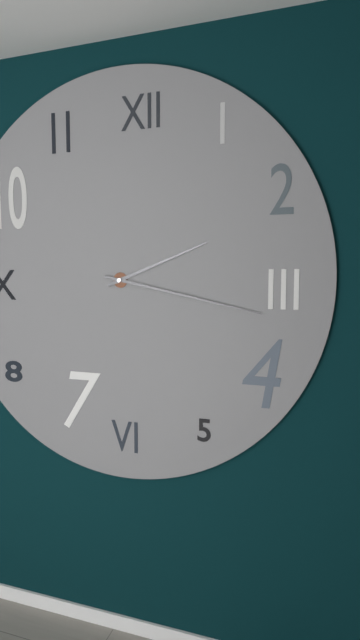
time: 2:17
